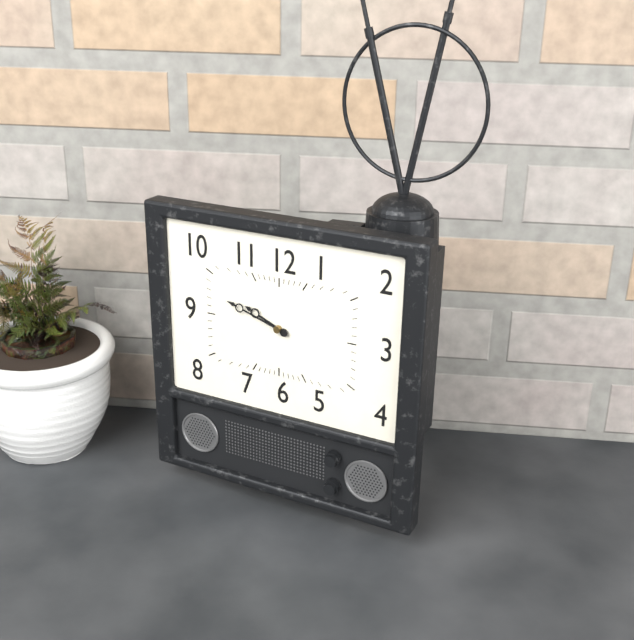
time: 9:48
